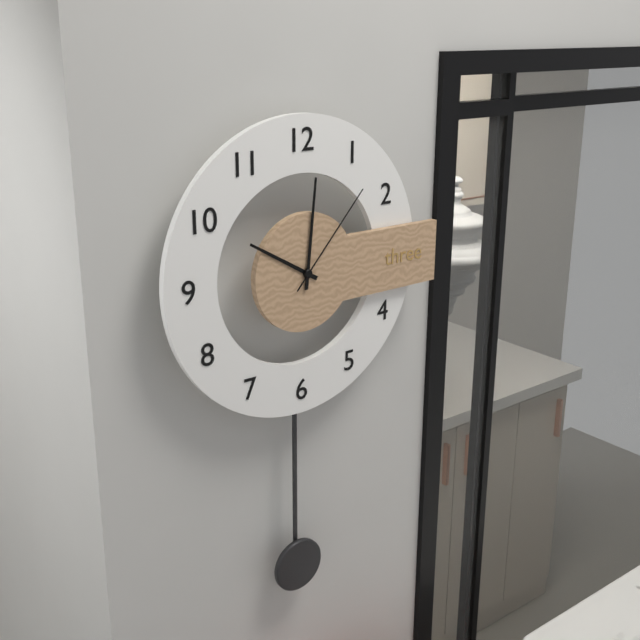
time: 10:01:07
